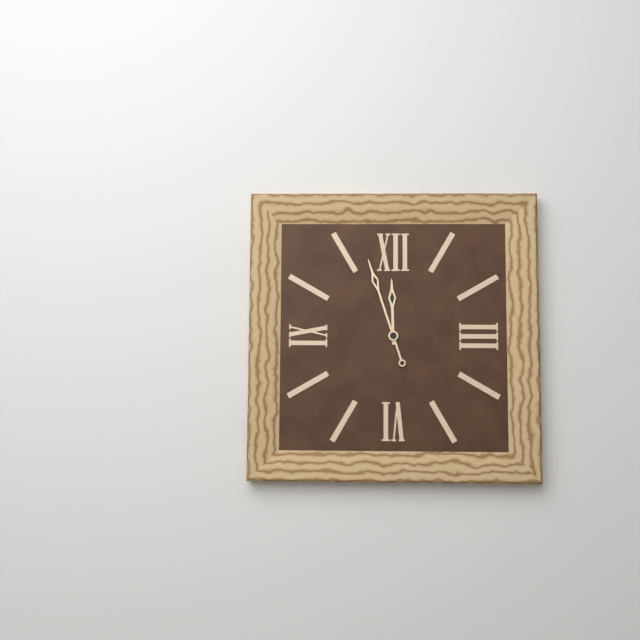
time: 11:57
